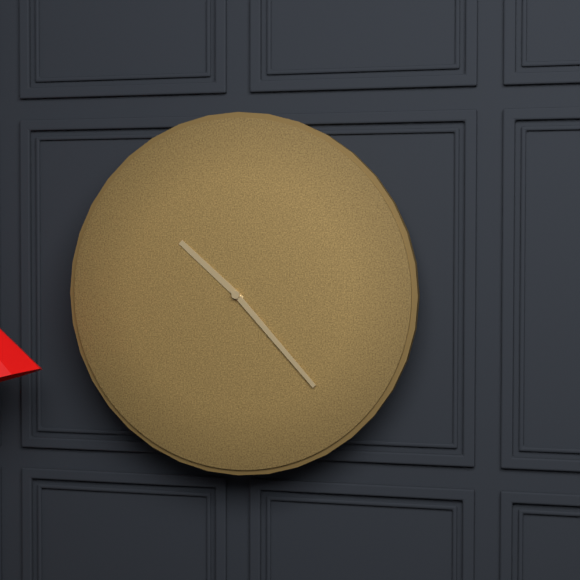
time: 10:23
